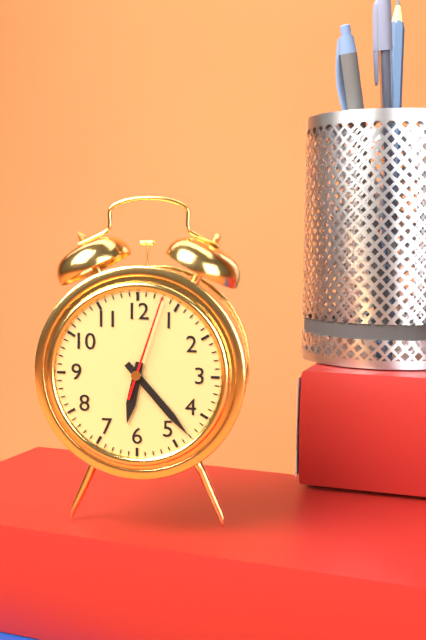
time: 6:23:03
